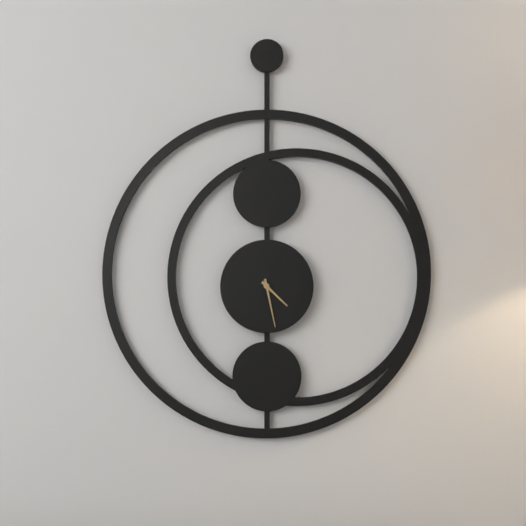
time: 4:28
